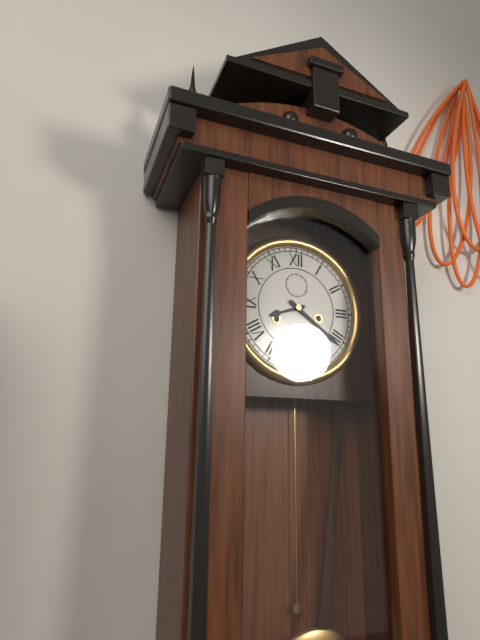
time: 8:21
